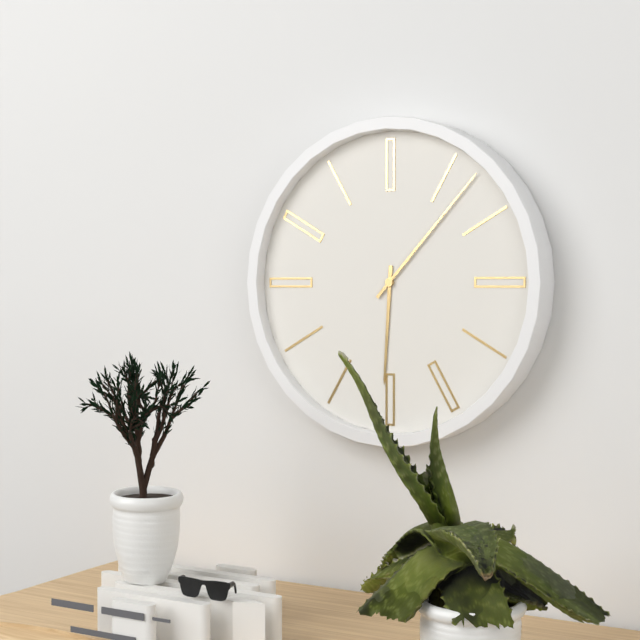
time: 6:07
